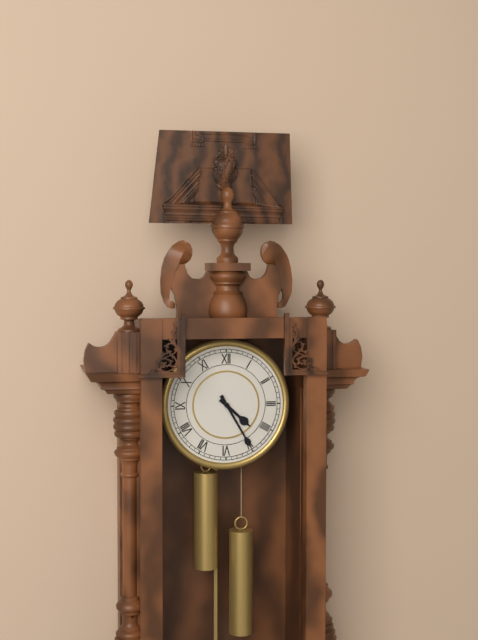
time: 4:25
